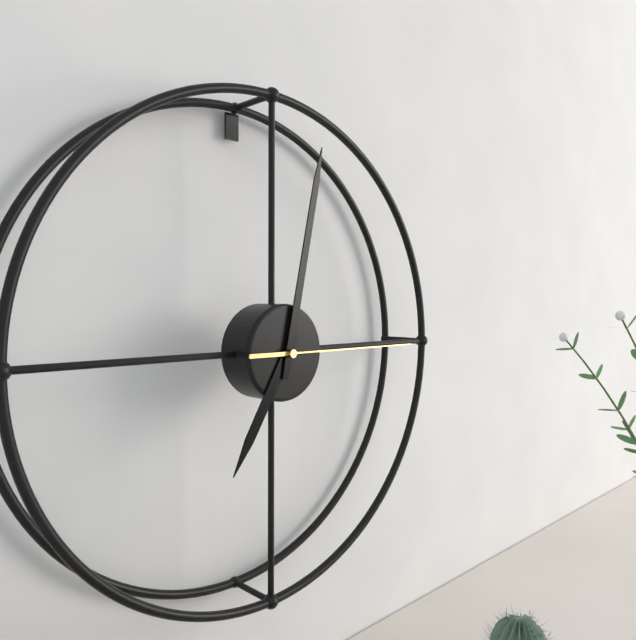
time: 7:02:15
